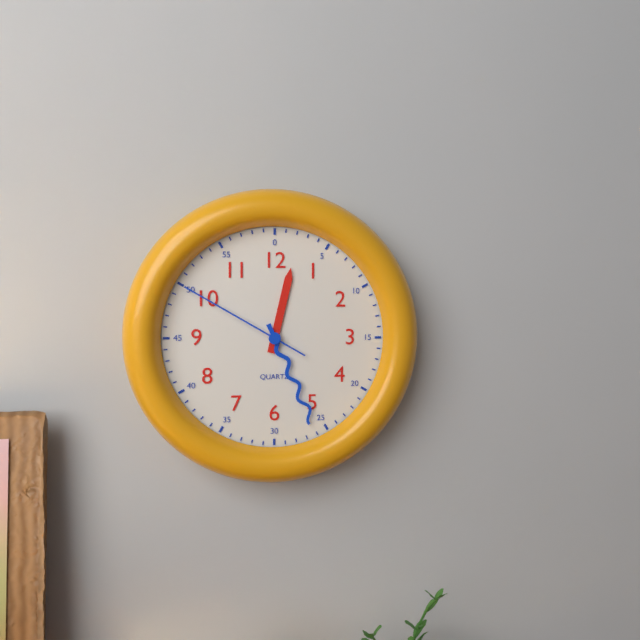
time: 12:26:50
